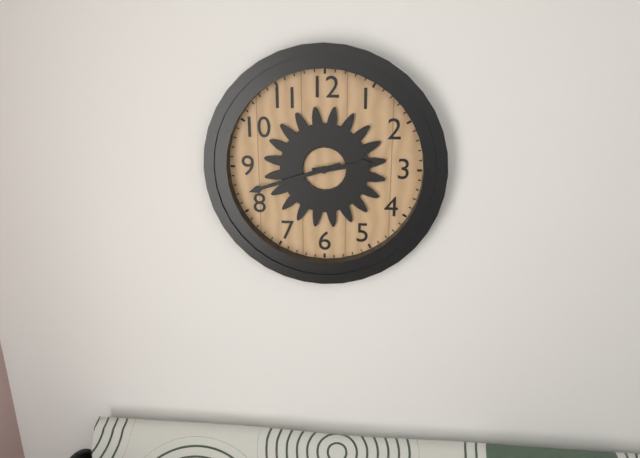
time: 2:42
